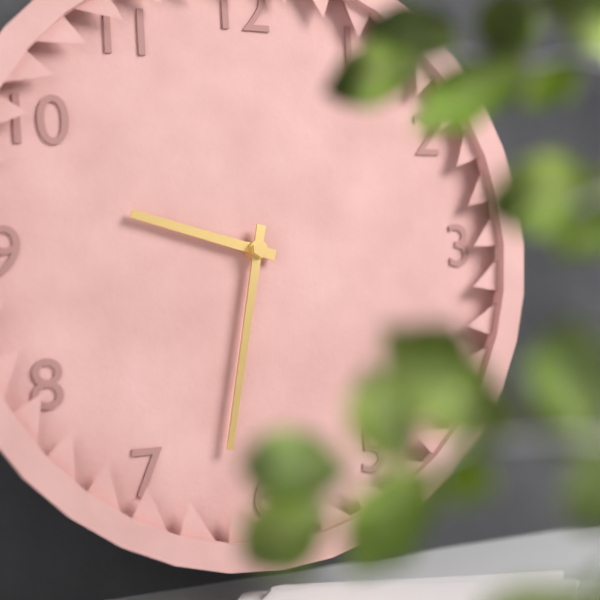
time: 9:32
